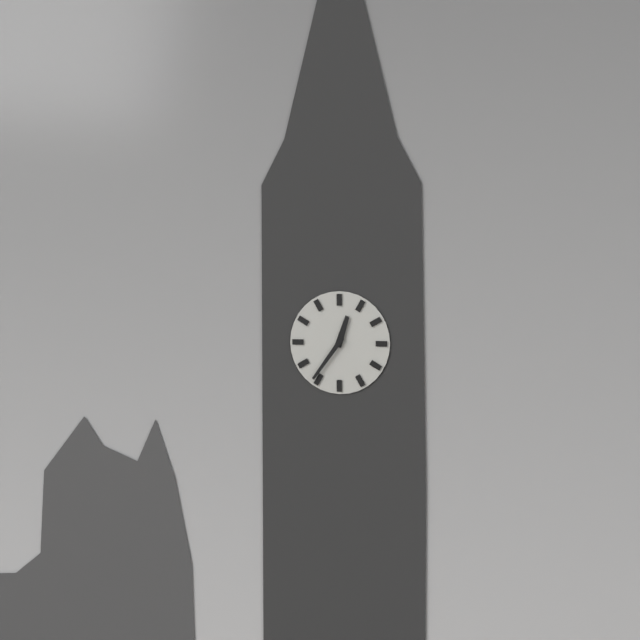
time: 12:36
